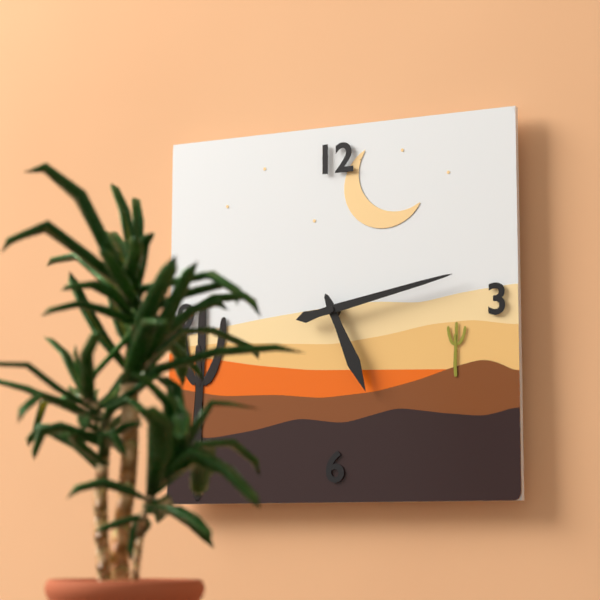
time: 5:13
